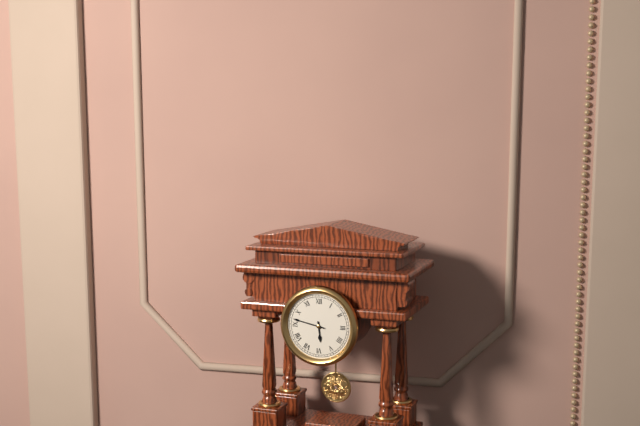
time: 5:47
